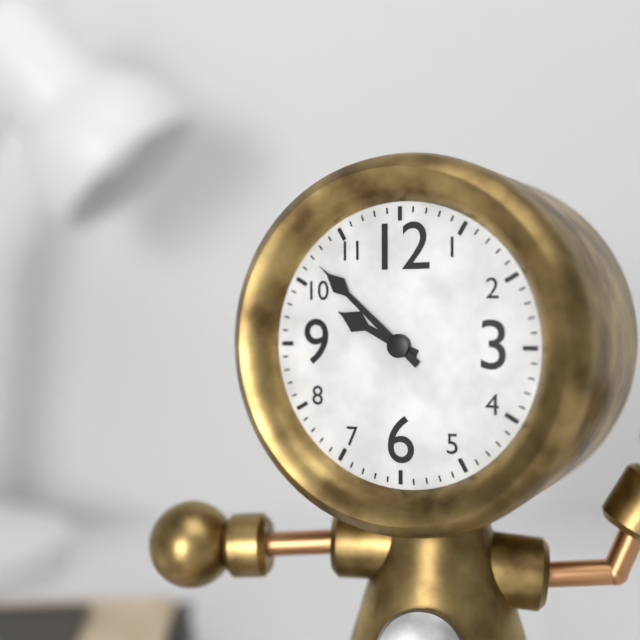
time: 9:52
